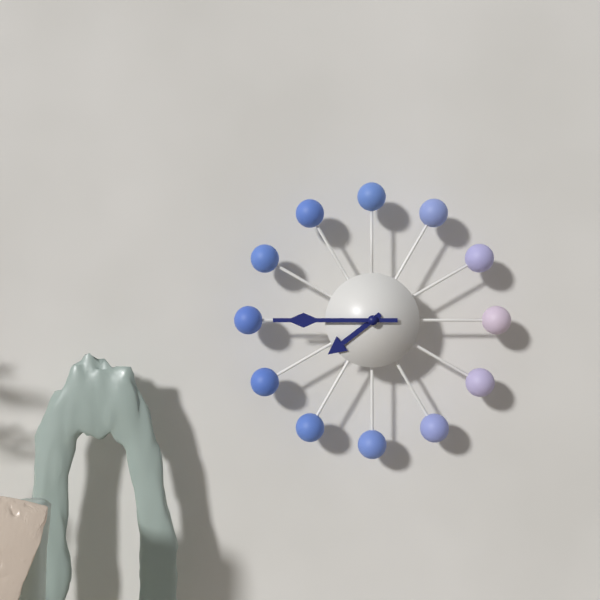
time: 7:45
